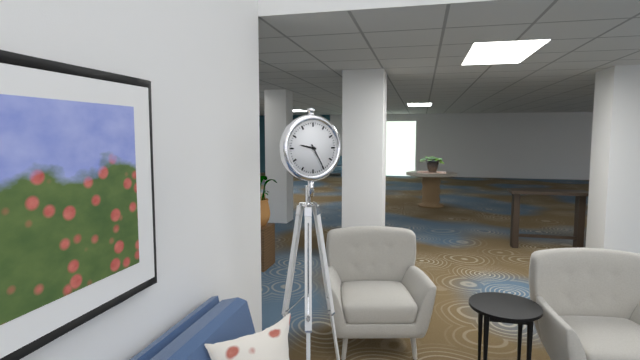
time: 9:25
